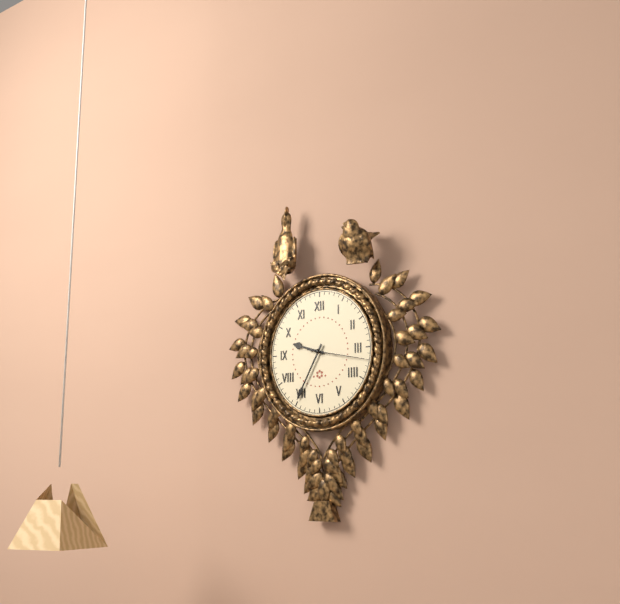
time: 9:35:17
